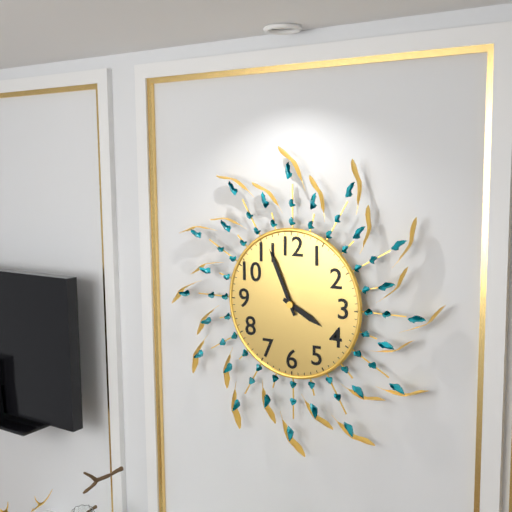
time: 3:56
